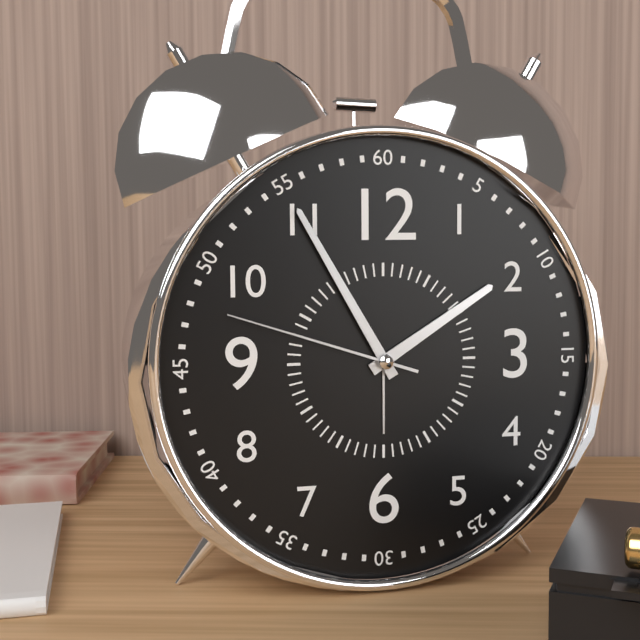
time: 1:55:48
